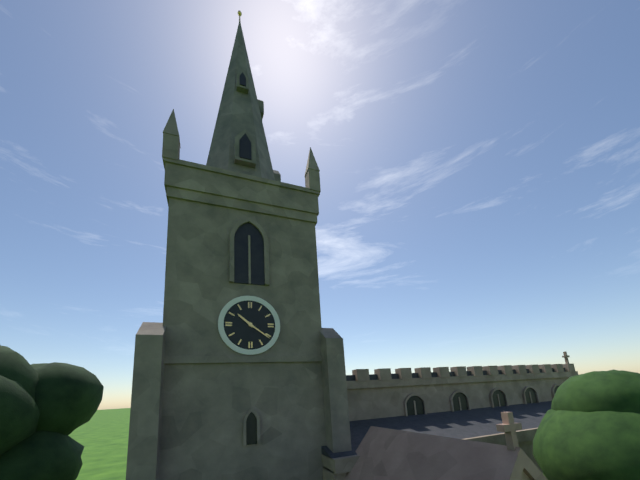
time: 10:21
